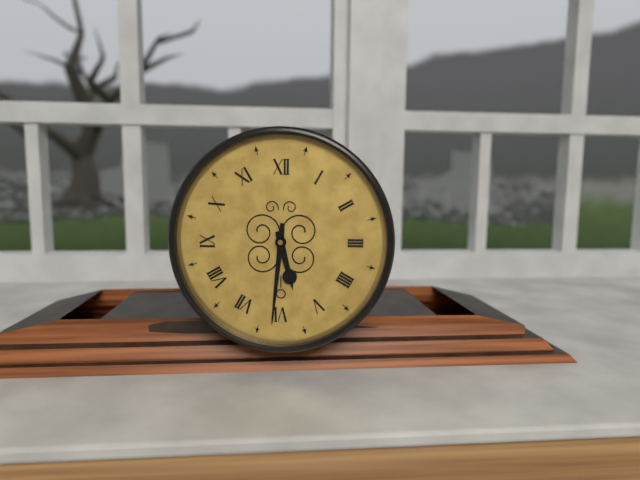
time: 5:31
